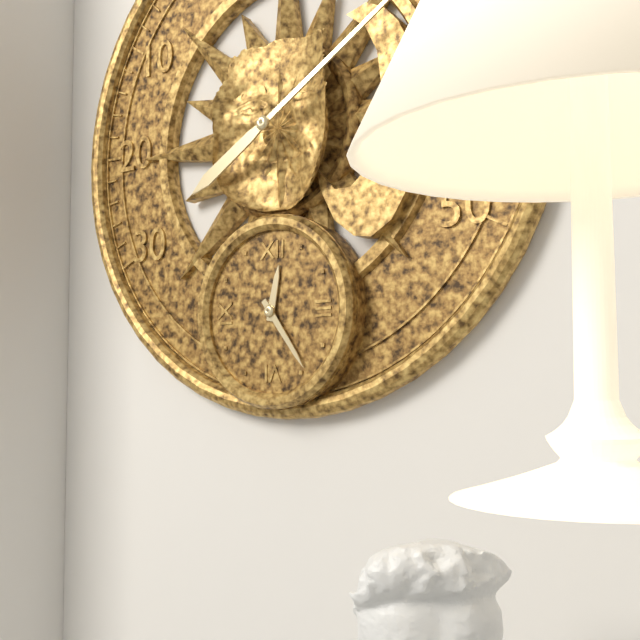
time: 12:24
